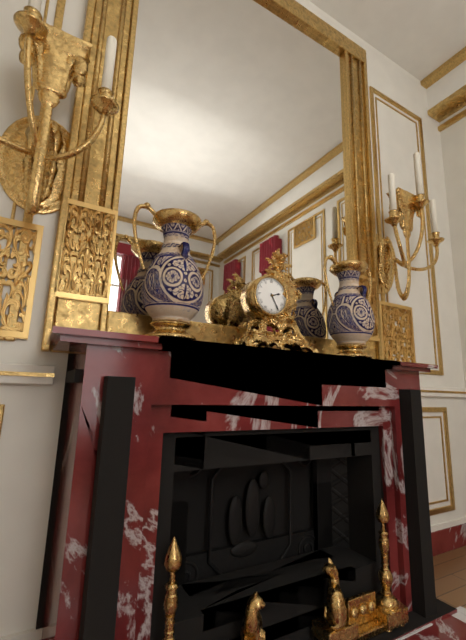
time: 2:25
